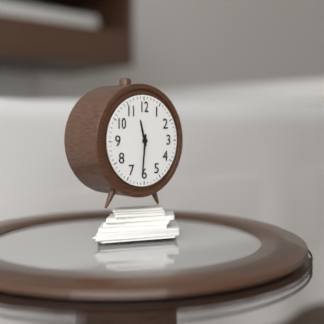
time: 11:31
